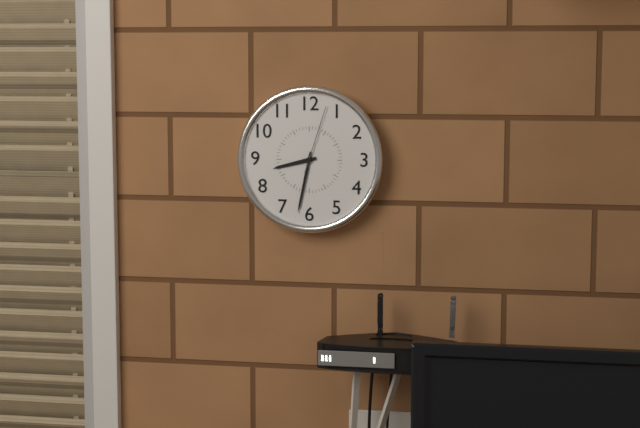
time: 8:32:03
